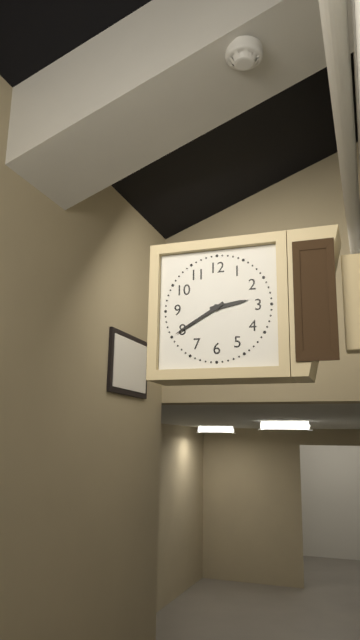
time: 2:40
